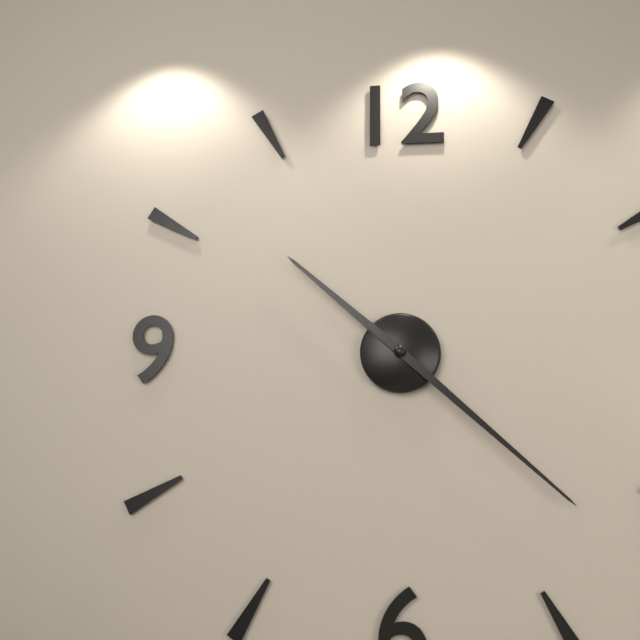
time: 10:22
